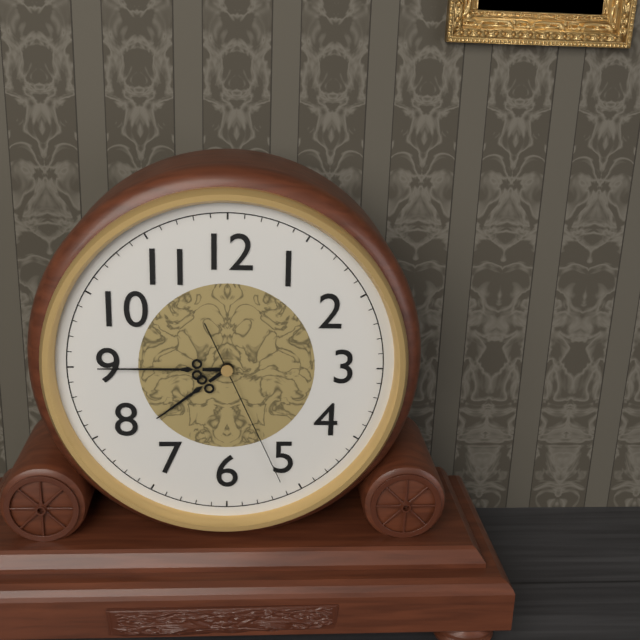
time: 7:45:26
